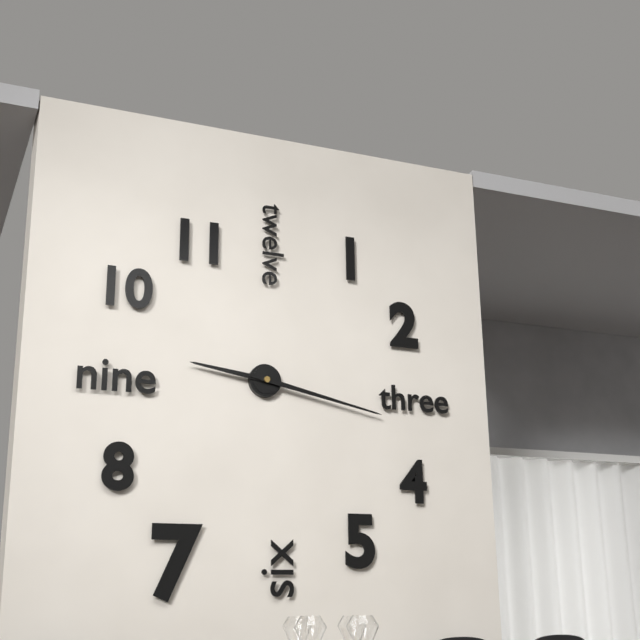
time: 9:17
